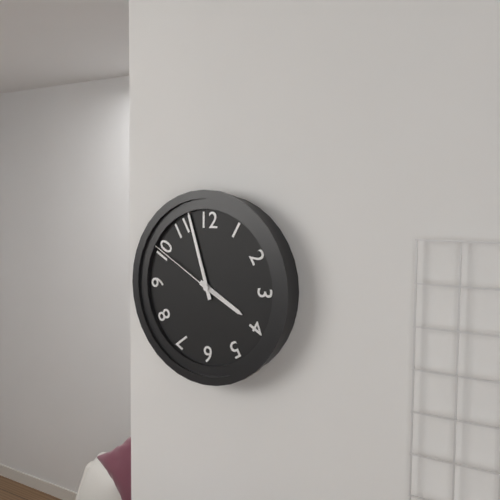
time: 3:57:50
